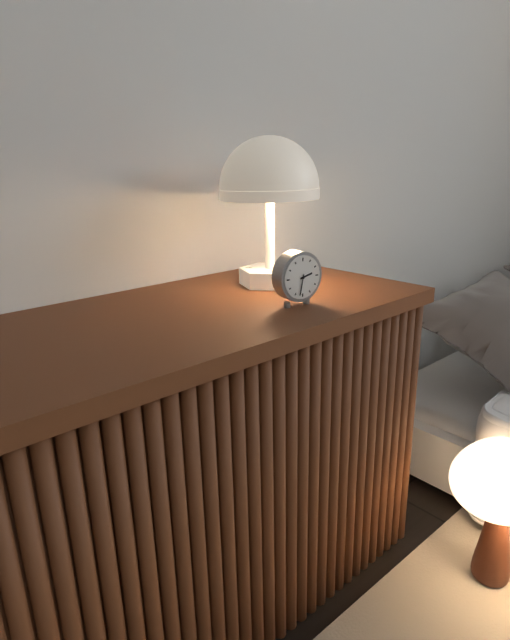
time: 2:32
